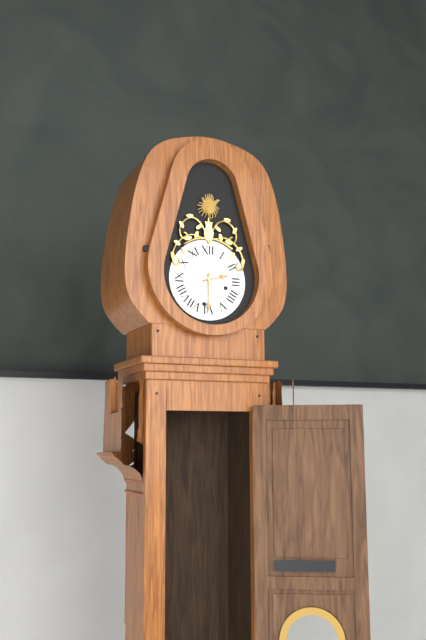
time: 2:30
